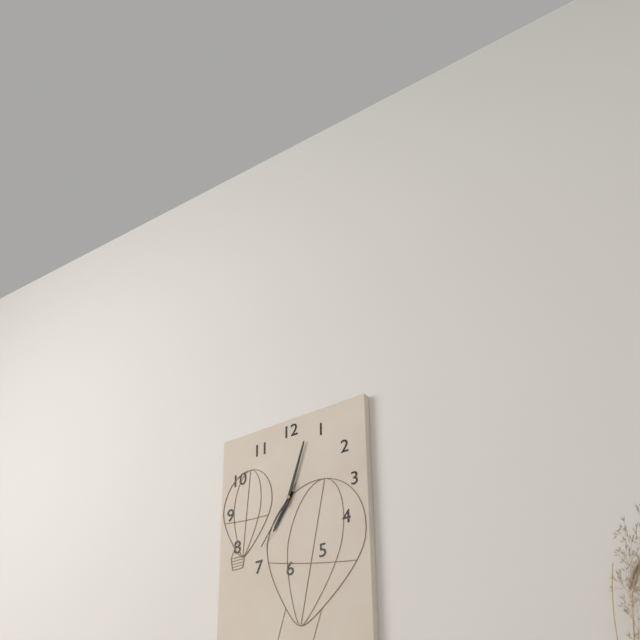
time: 7:03:36
